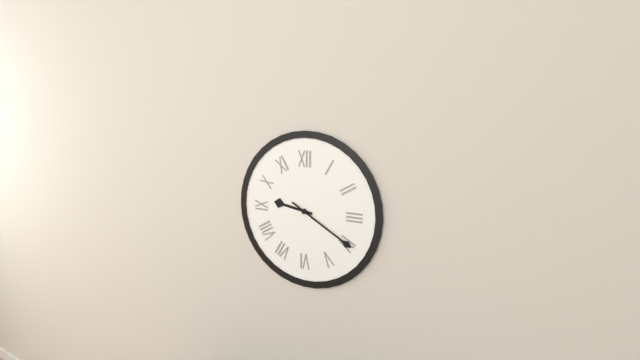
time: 9:20
